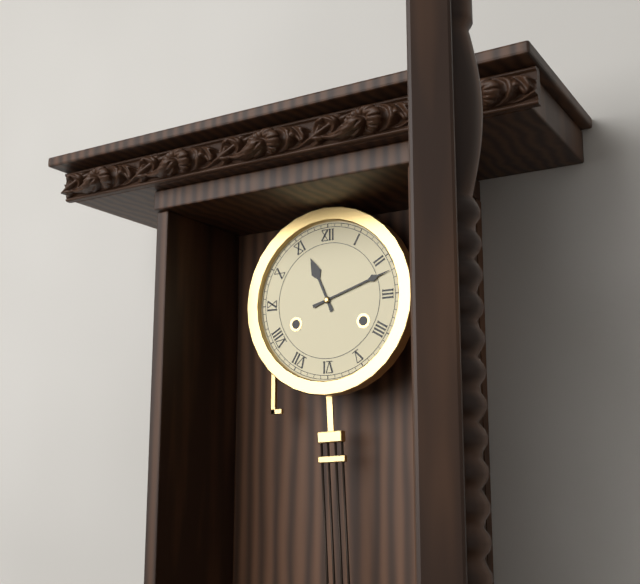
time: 11:12
